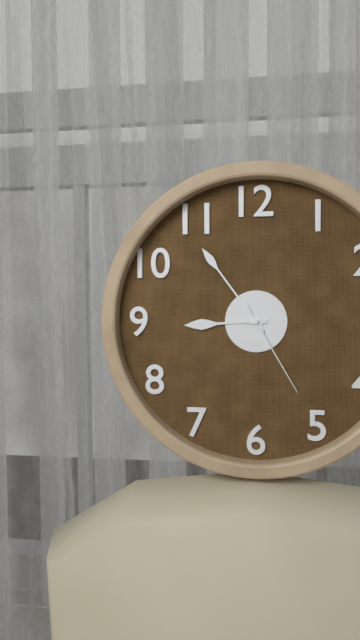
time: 8:54:25
